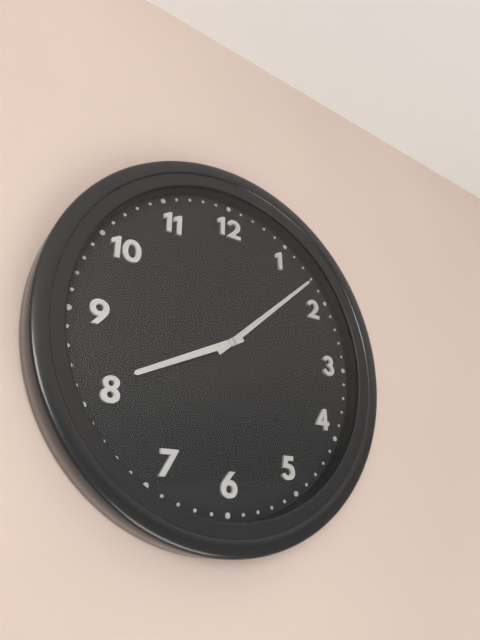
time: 8:08
